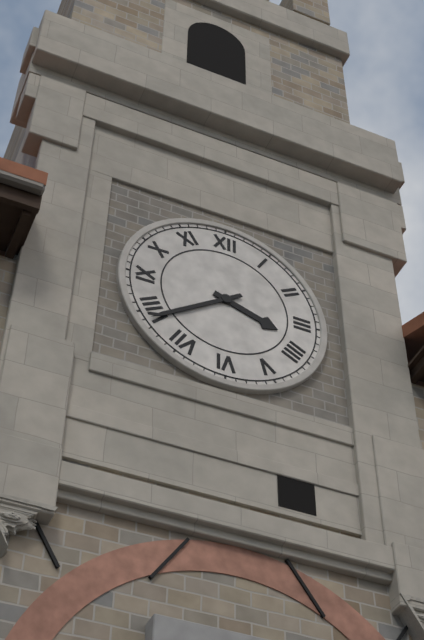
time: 3:39
